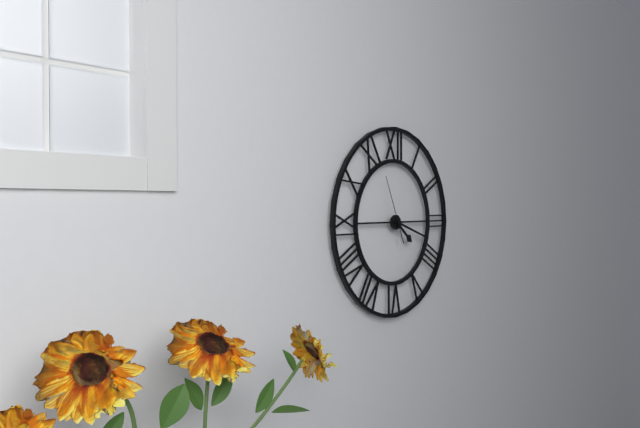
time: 4:18:56
